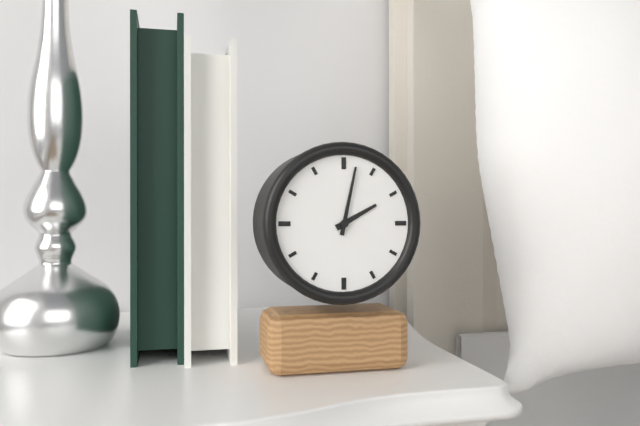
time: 2:02
